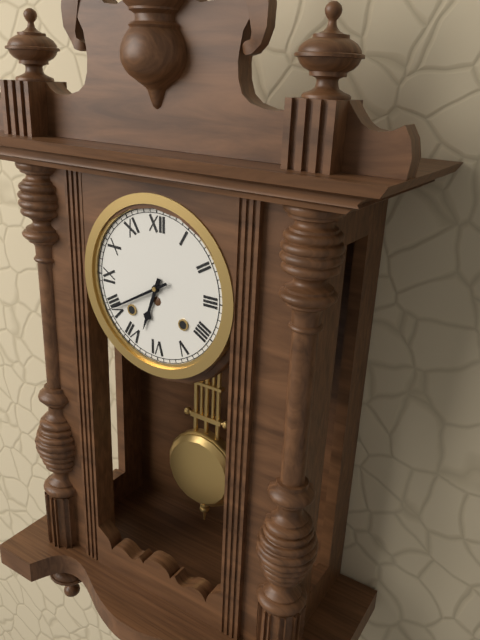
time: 6:40
